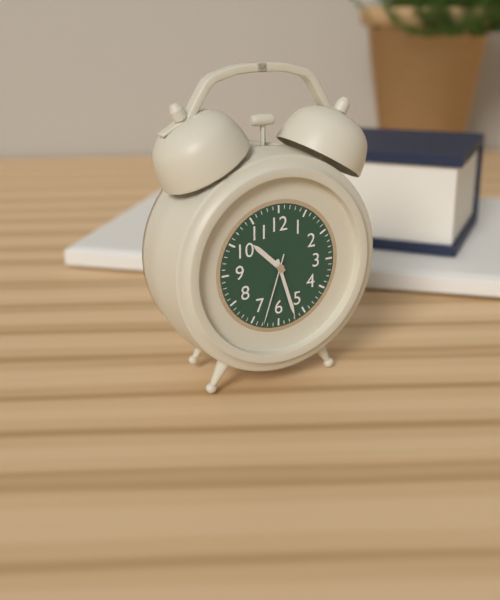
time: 10:27:33
